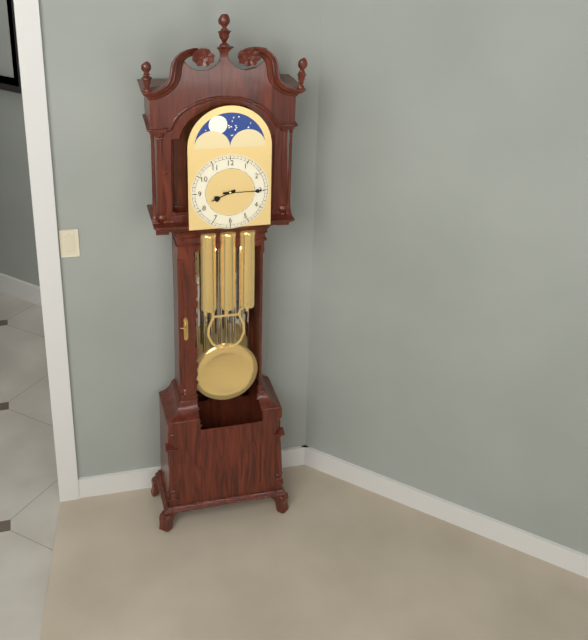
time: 8:15
